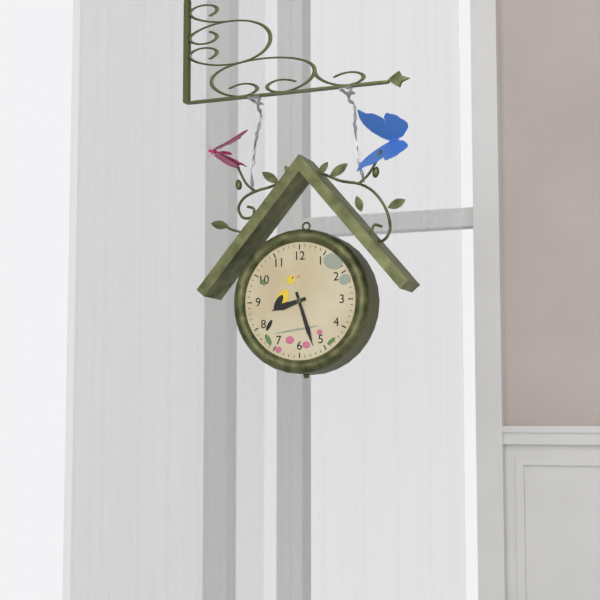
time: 8:27
